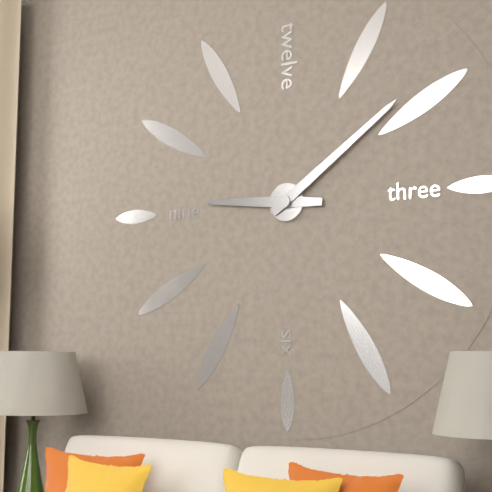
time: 9:09
